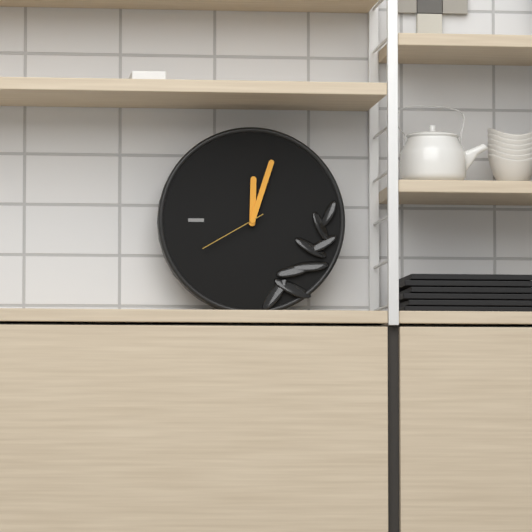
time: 12:03:40
